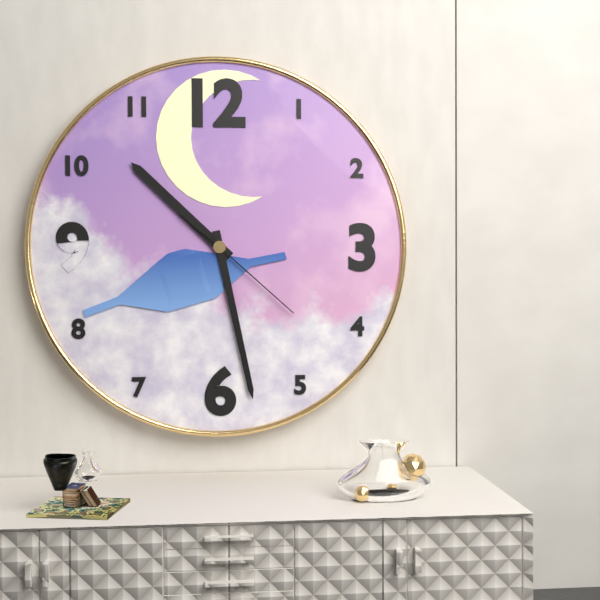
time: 10:28:22
